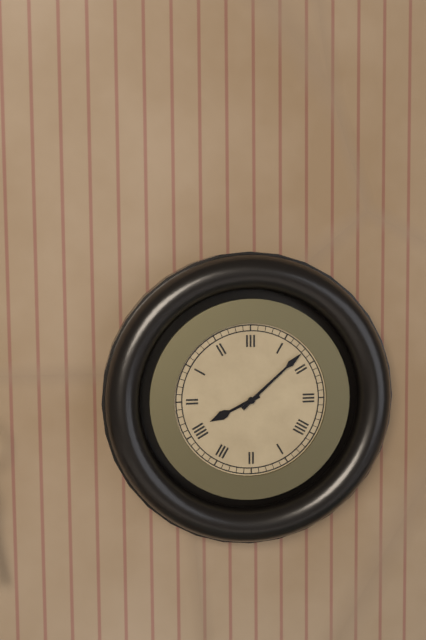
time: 8:08
